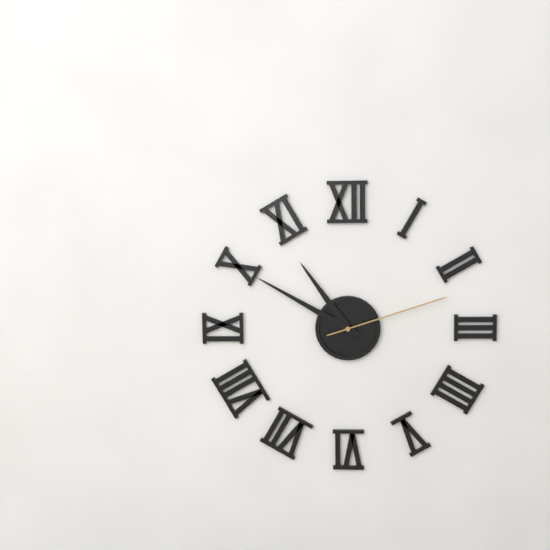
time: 10:50:12
